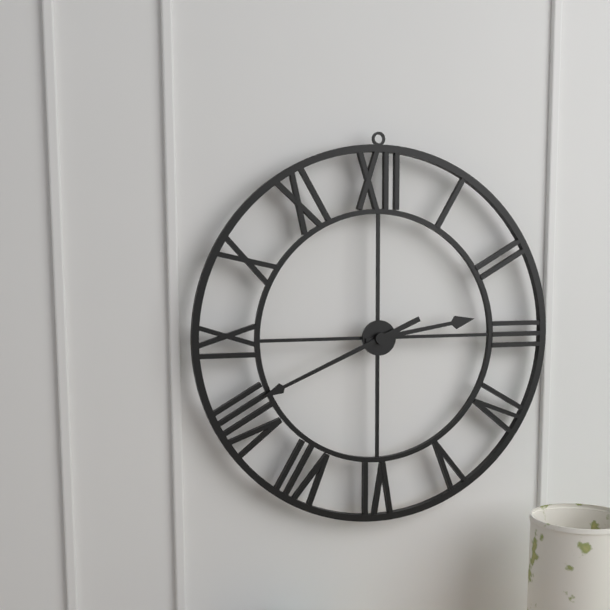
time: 2:41
